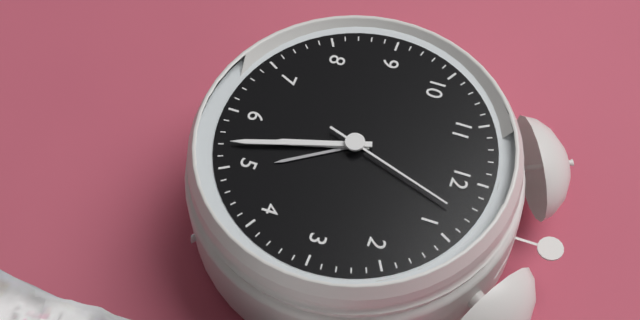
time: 5:27:03
